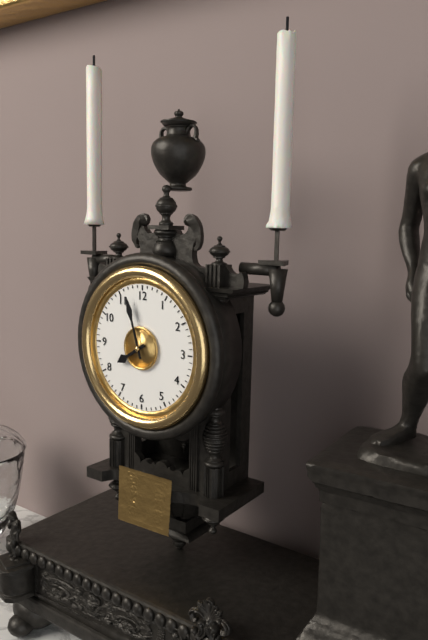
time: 7:57
